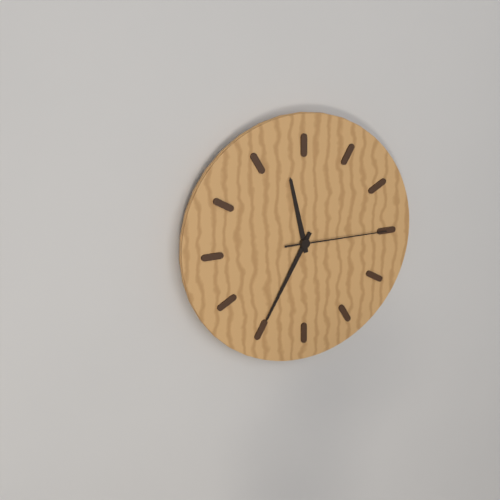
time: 11:35:15
